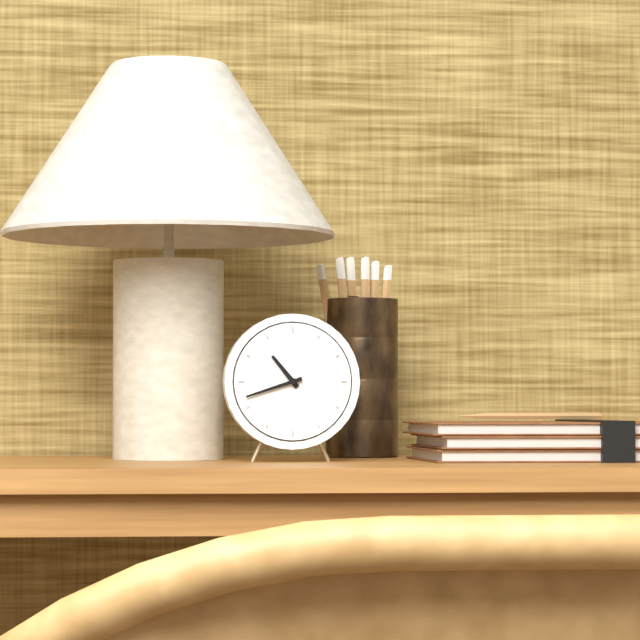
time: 10:42
